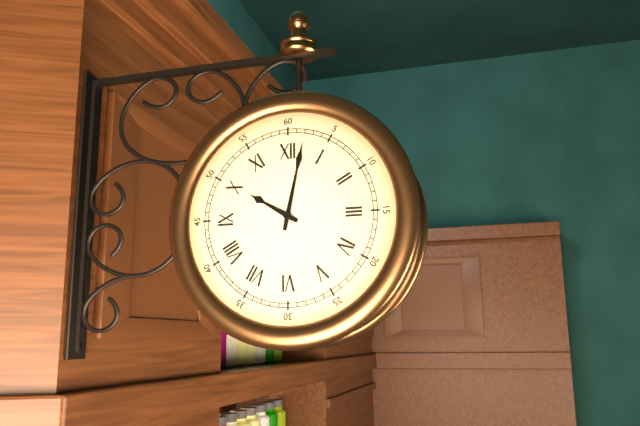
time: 10:02
